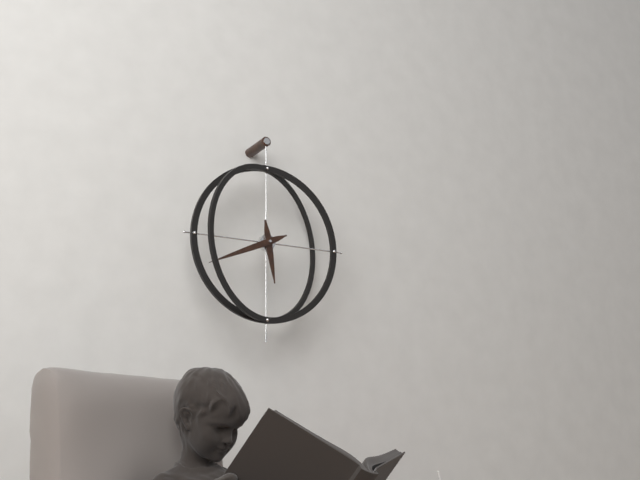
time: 5:41
